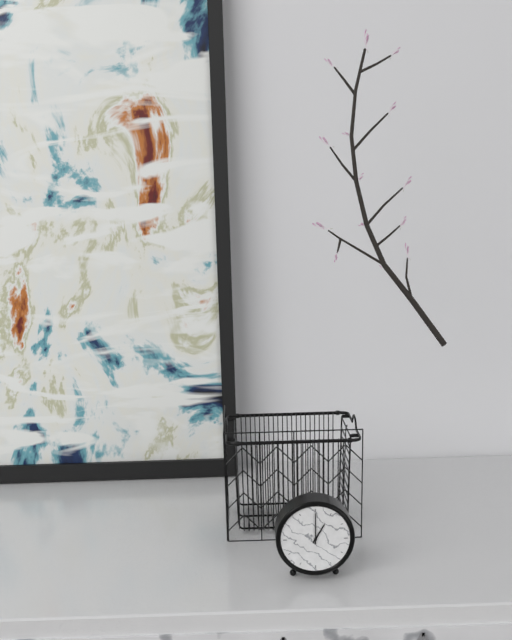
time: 1:00
